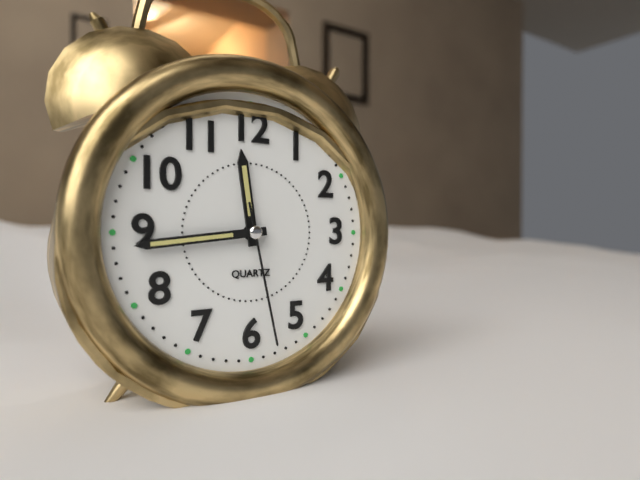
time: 11:44:28
